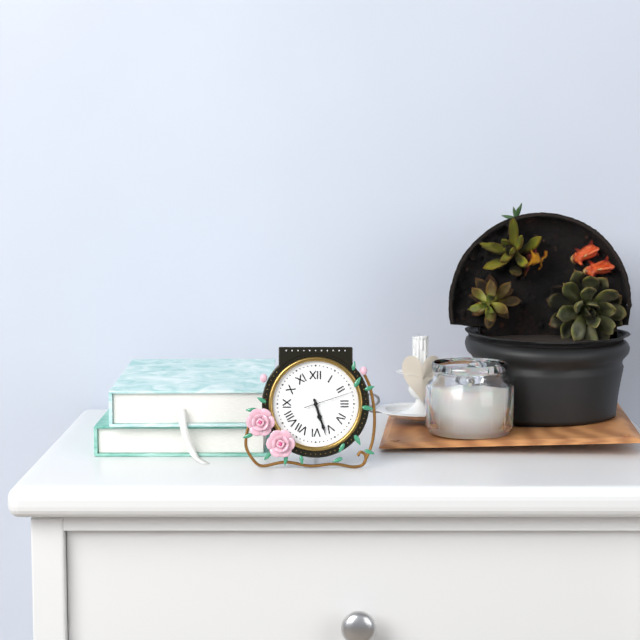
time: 5:27
